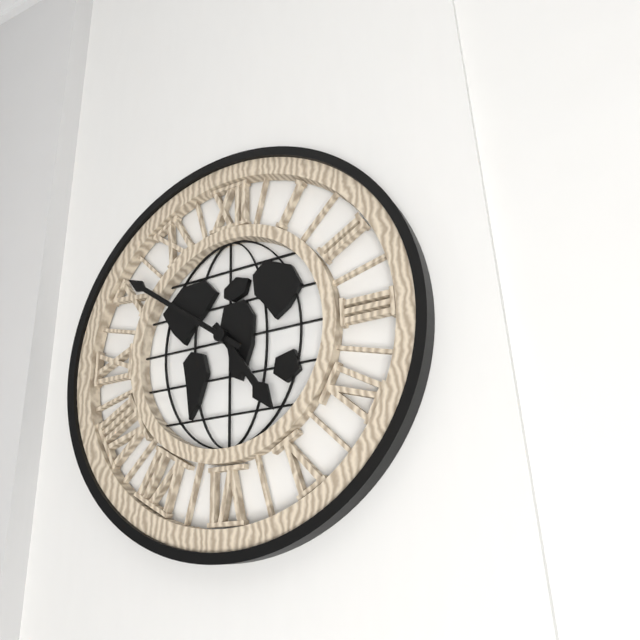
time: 4:51
